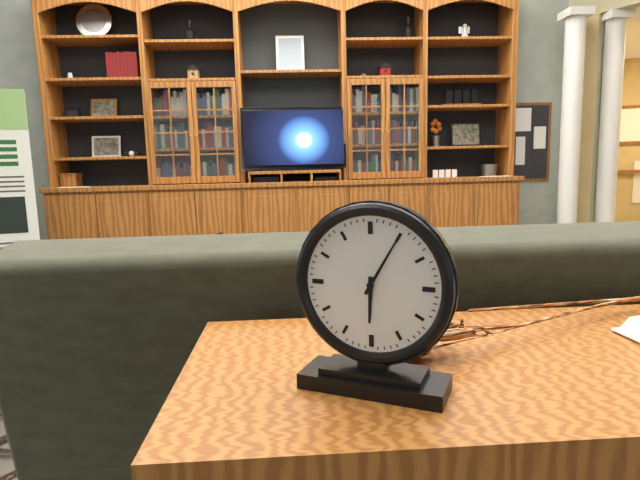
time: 6:05
